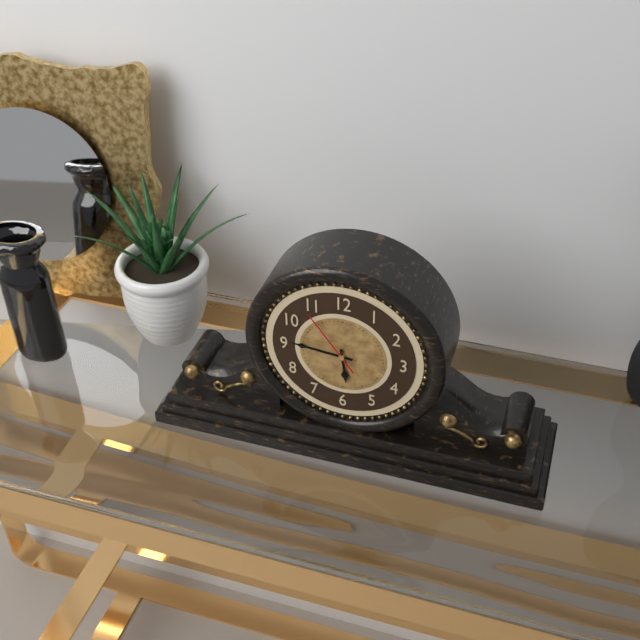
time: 5:46:54
